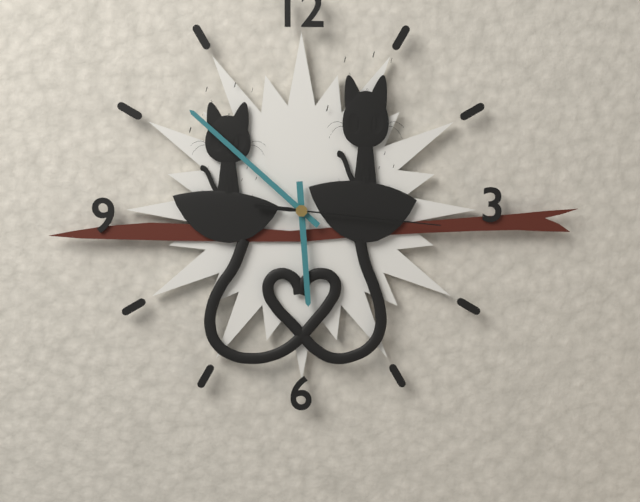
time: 5:52:16
